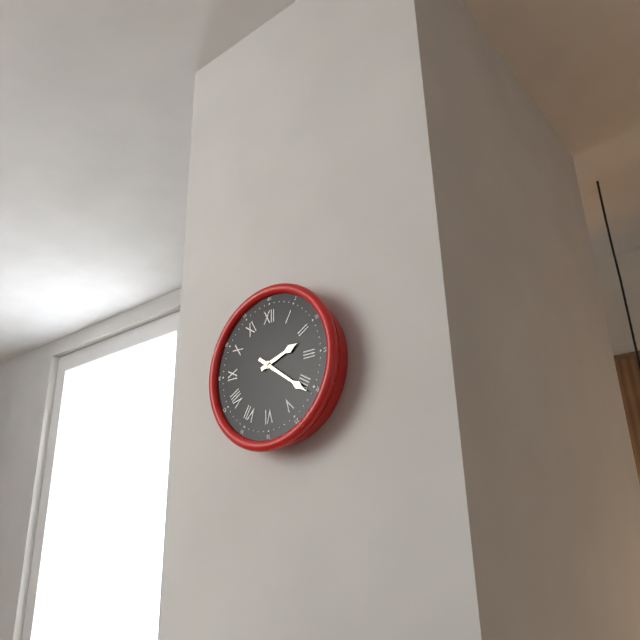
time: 2:21
